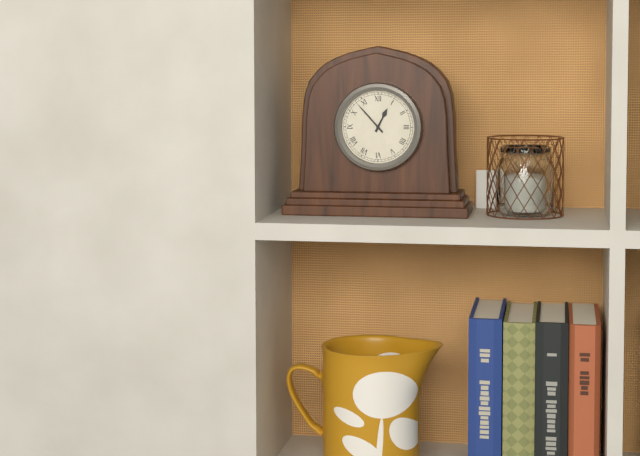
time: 12:53
